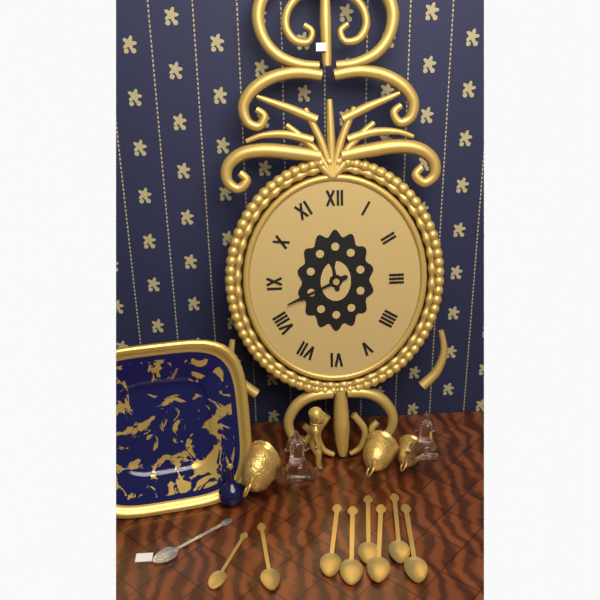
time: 11:41
